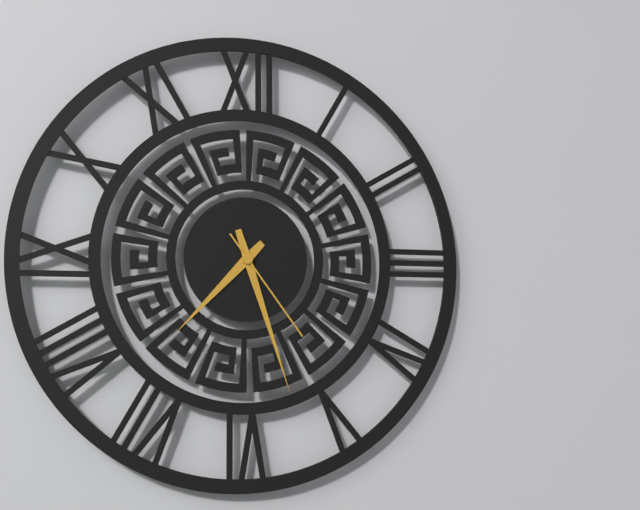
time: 7:27:24
